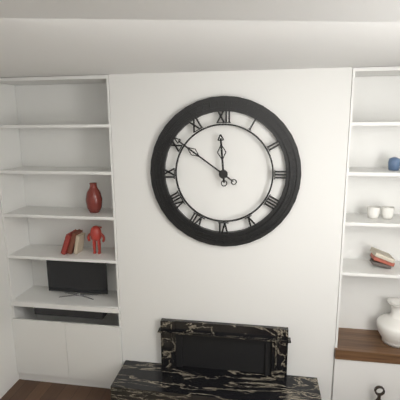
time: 11:51
